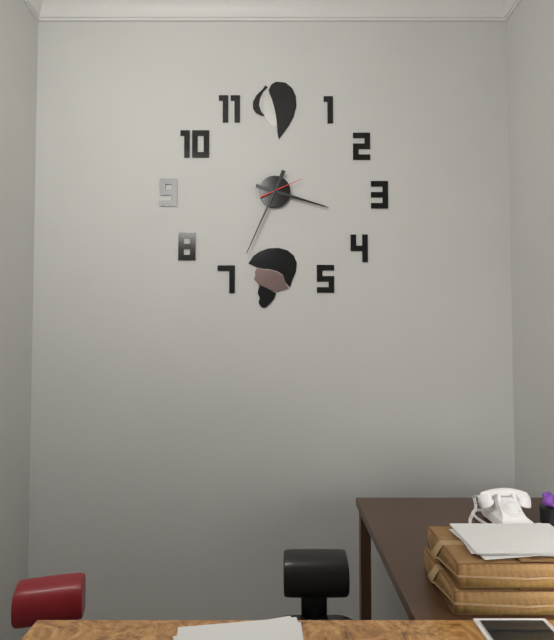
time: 3:34
